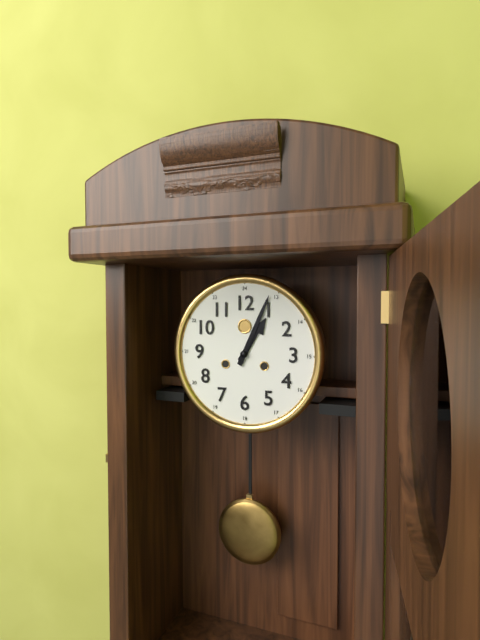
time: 1:04
